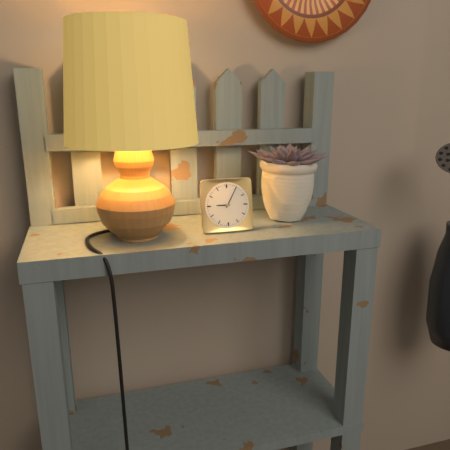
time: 9:05
